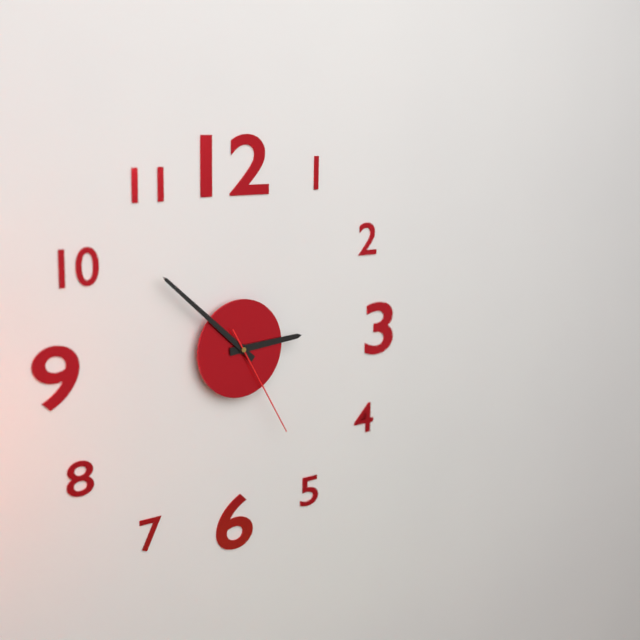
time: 2:52:25
